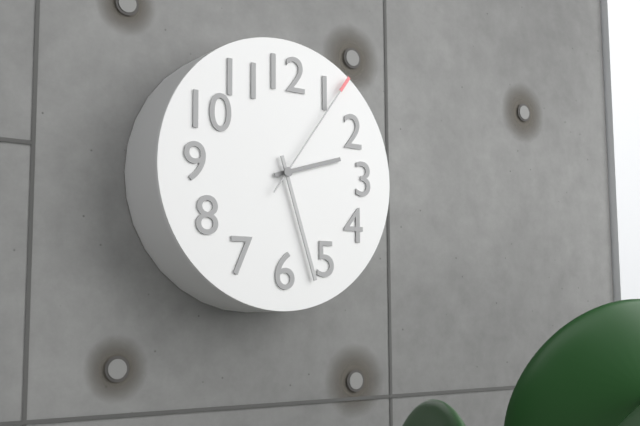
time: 2:27:06
